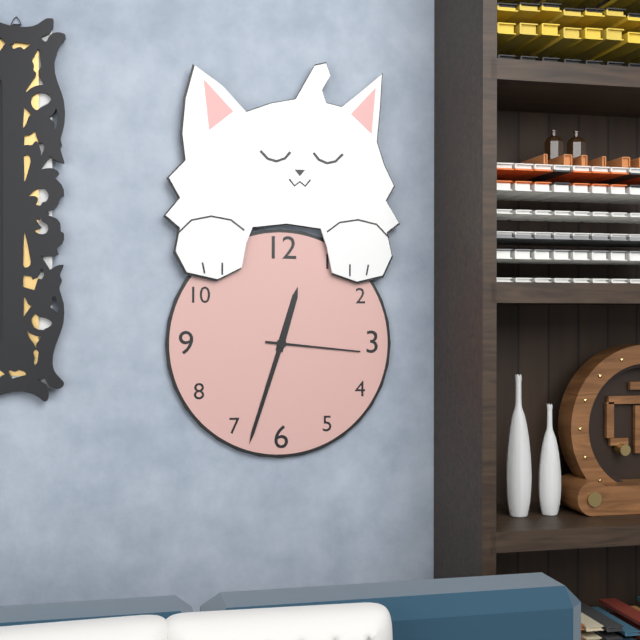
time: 12:33:16
